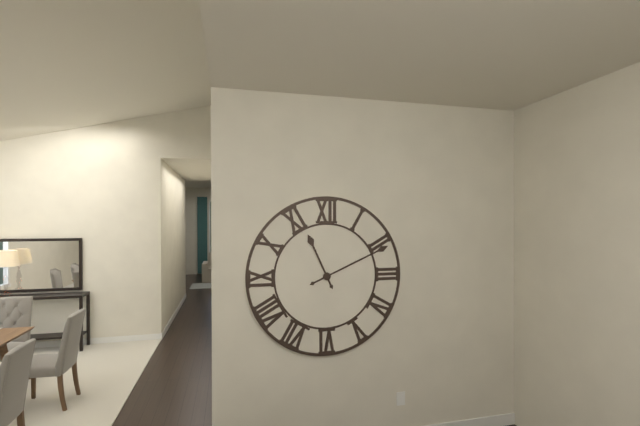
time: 11:11
